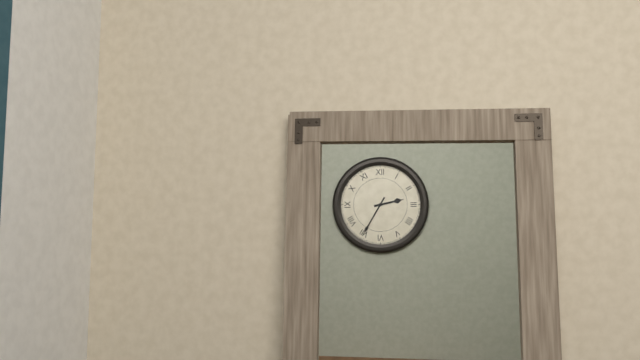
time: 2:35
